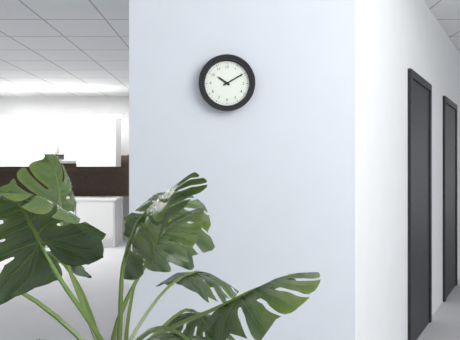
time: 10:10
